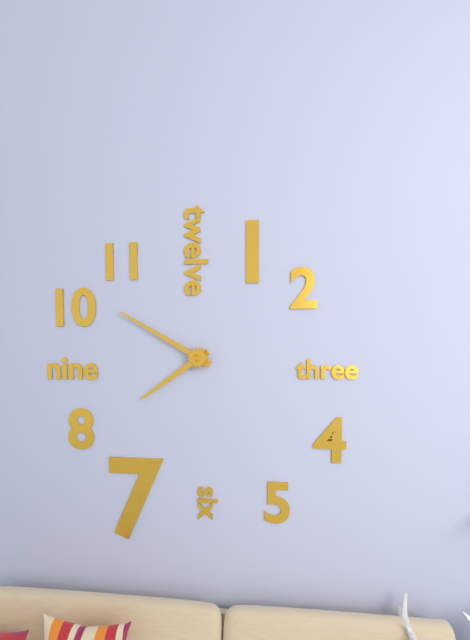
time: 7:50
